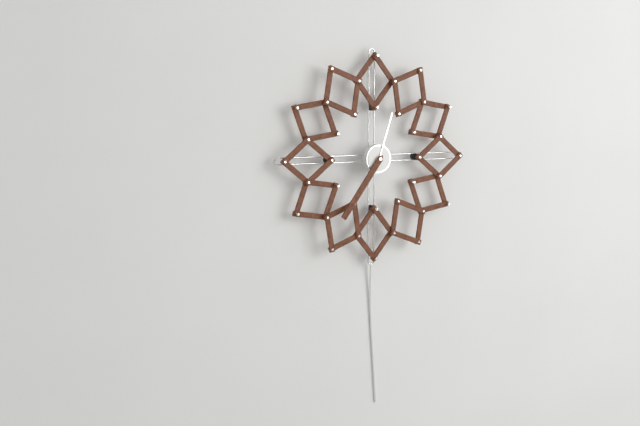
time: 12:36
